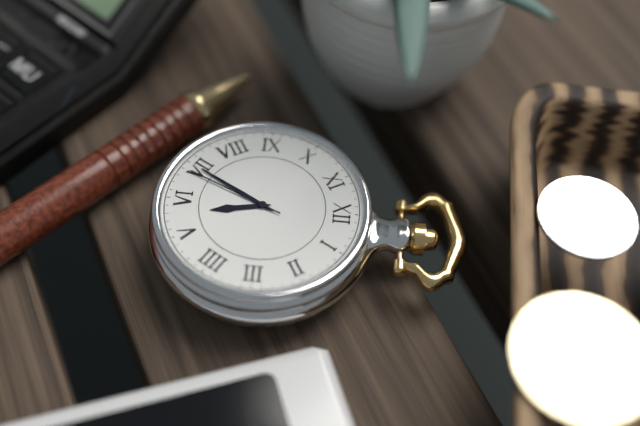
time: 5:35:34
